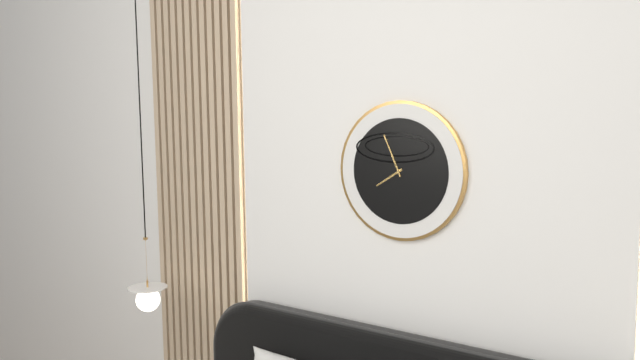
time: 7:56
